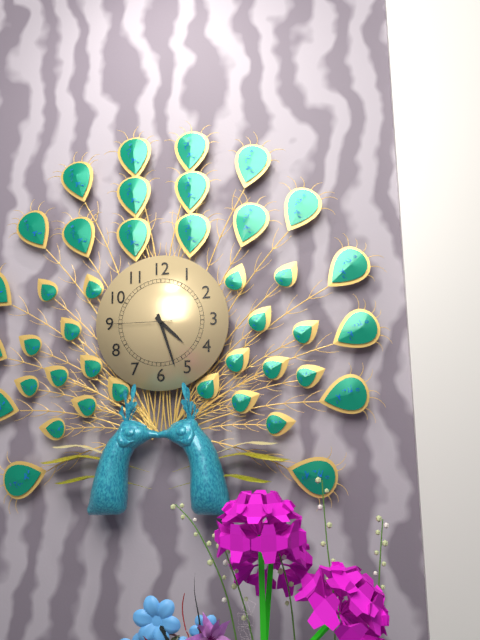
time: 4:27:45
